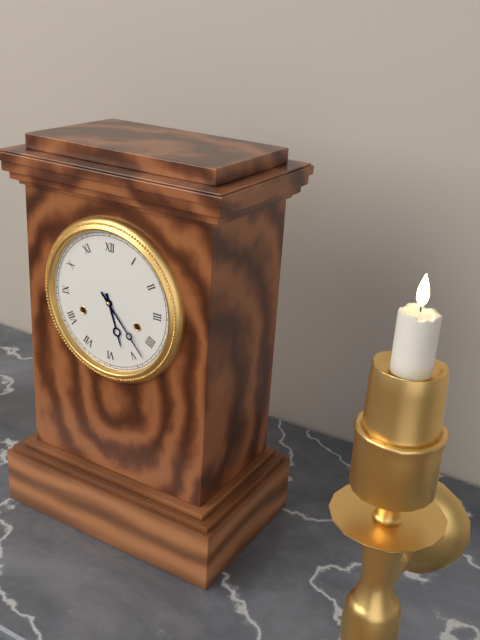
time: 5:23
